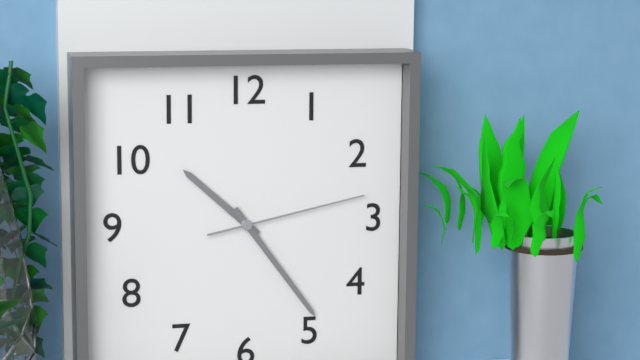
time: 10:24:13
